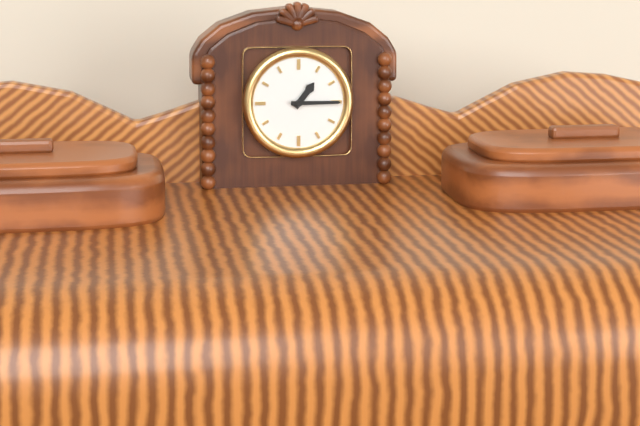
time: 1:15
